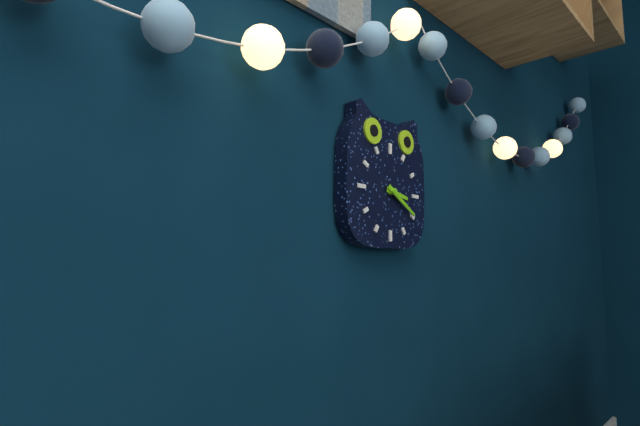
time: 3:20
